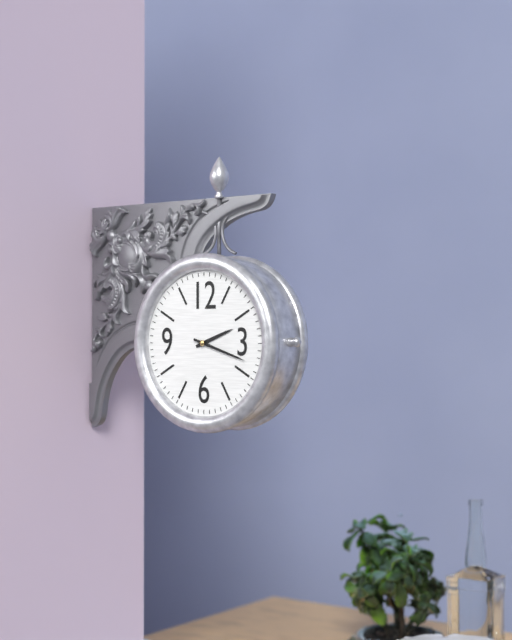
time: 2:18
